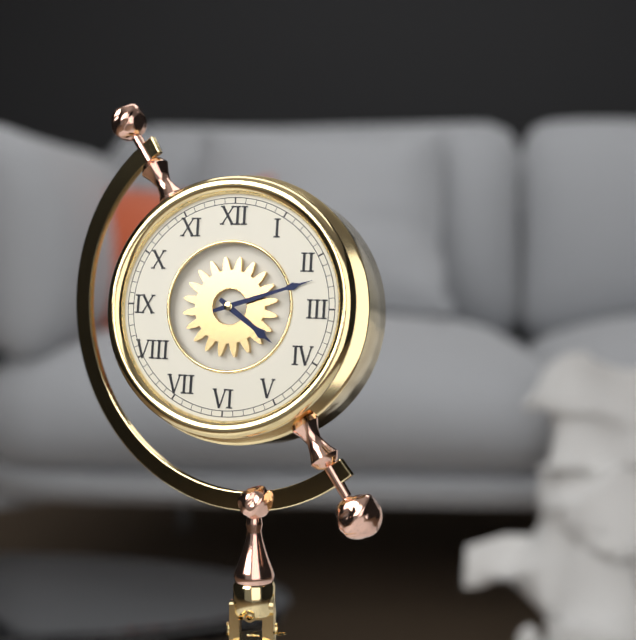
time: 4:12
